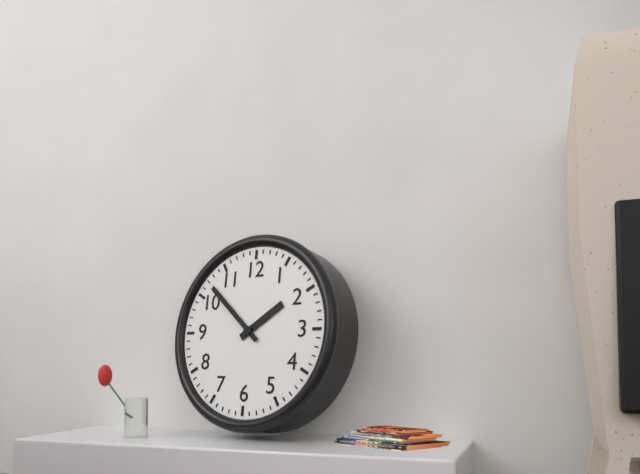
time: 1:52
